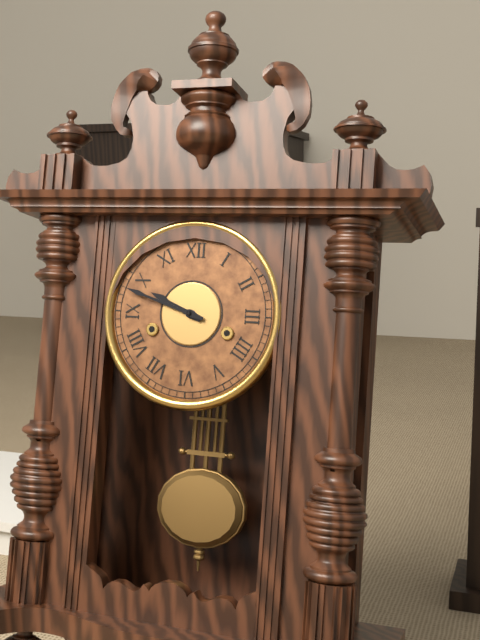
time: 9:48
